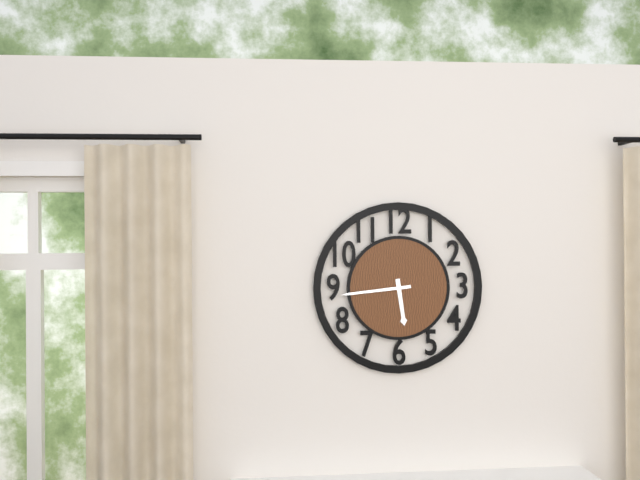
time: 5:44
